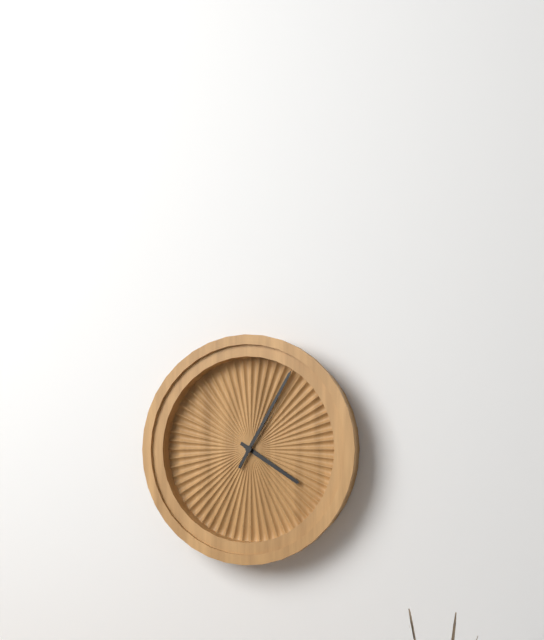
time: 4:05
